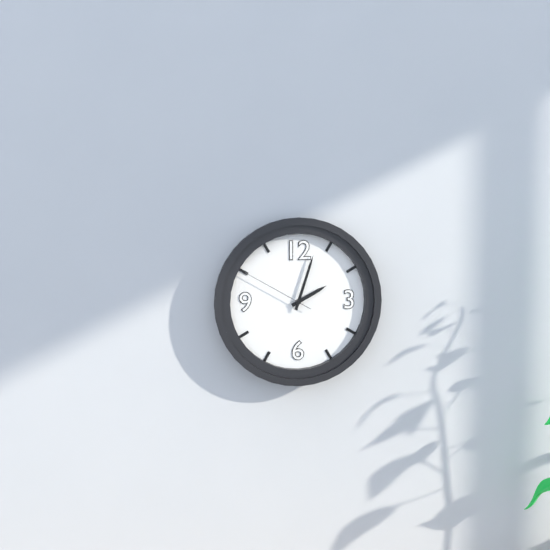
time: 2:03:50
